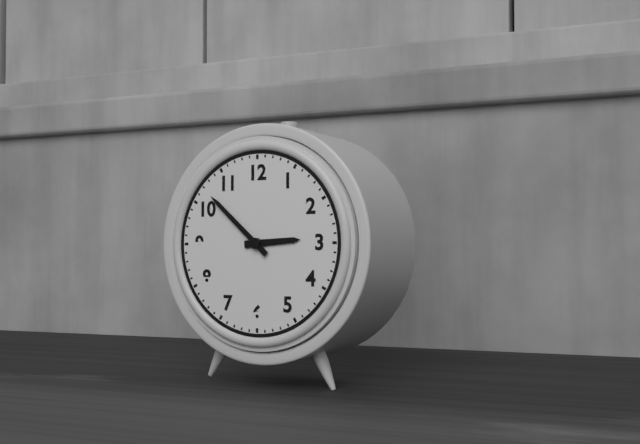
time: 2:52
